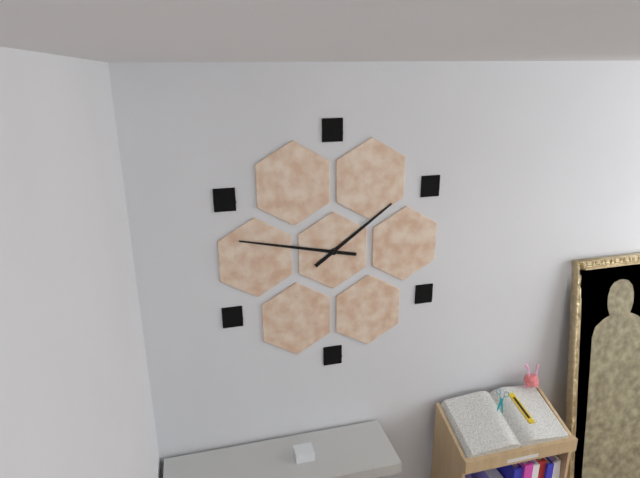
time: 1:47
